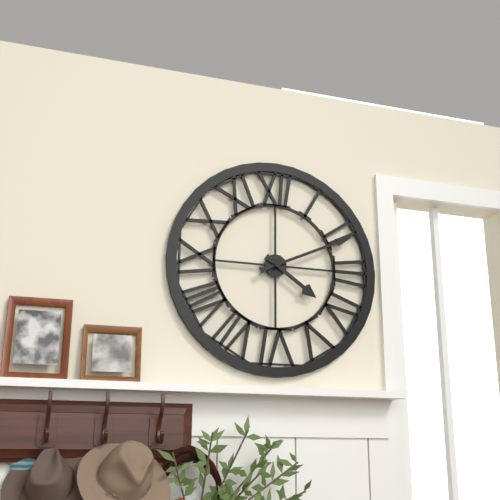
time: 4:11
